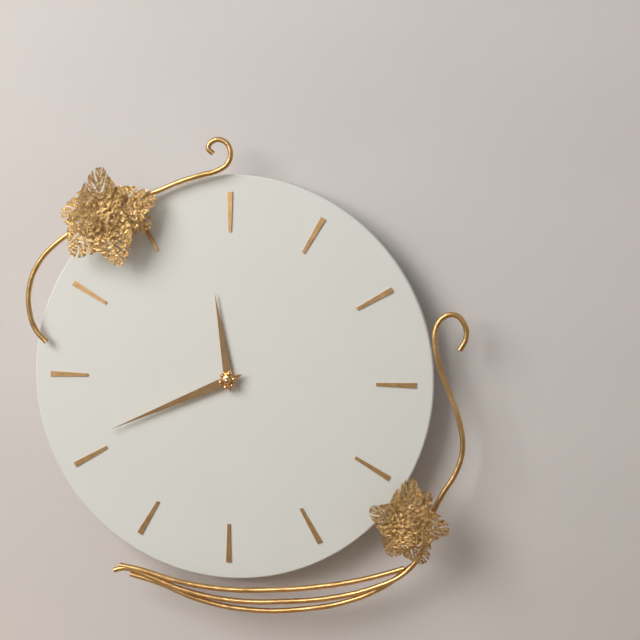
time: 11:41
